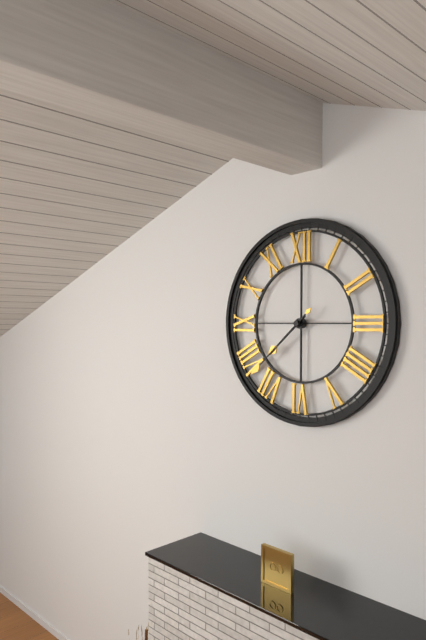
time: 7:38
